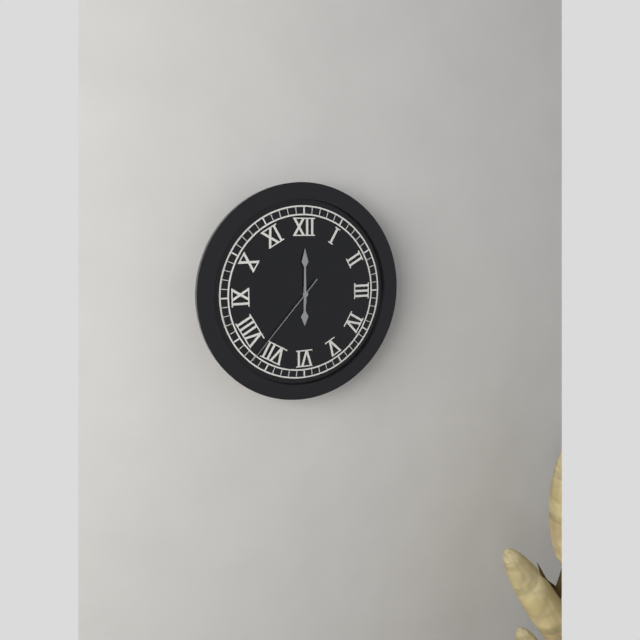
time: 6:00:37
